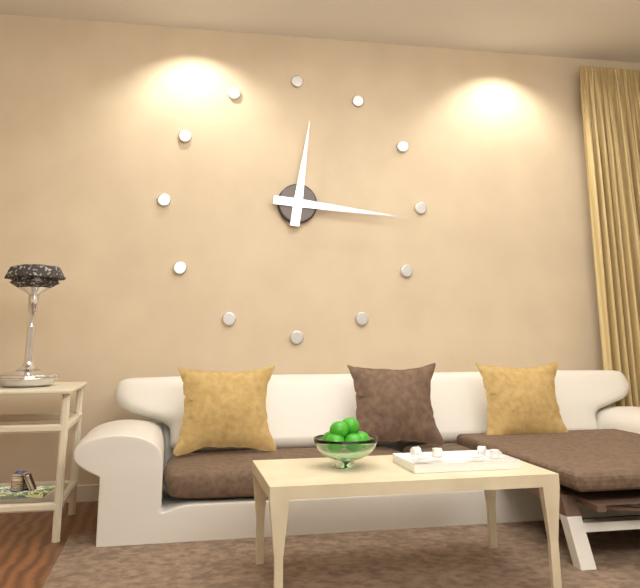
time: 12:16
